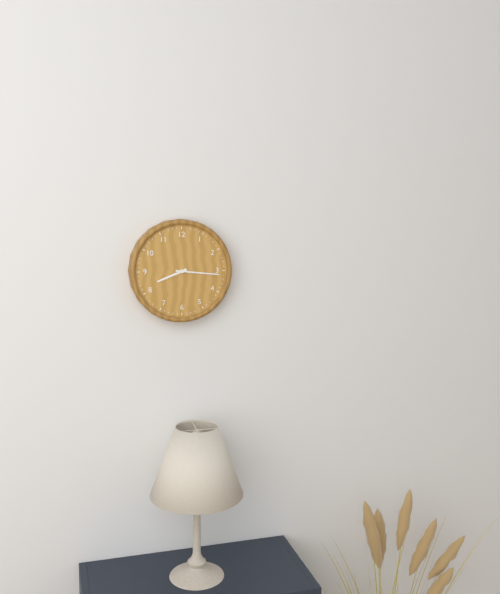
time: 8:16
